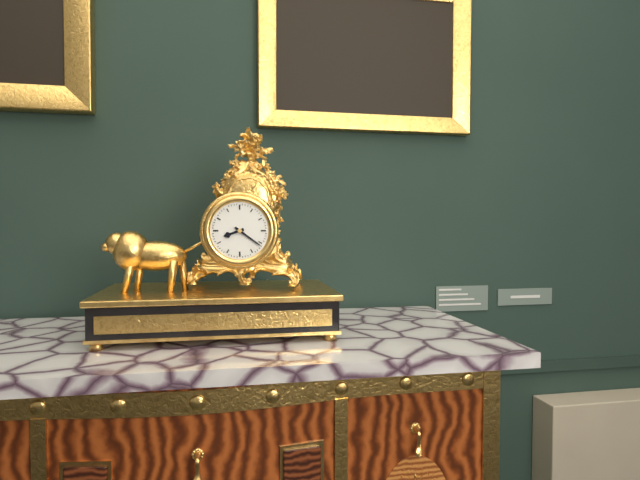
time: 8:21
